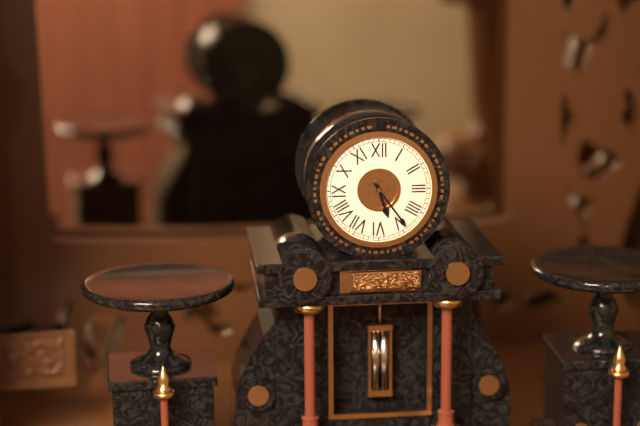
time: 5:24
